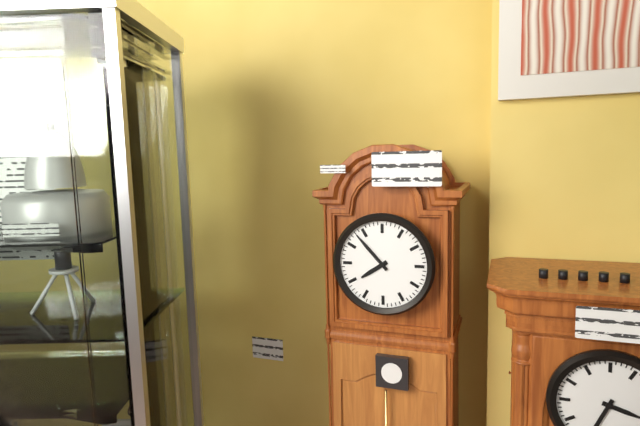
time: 7:53
